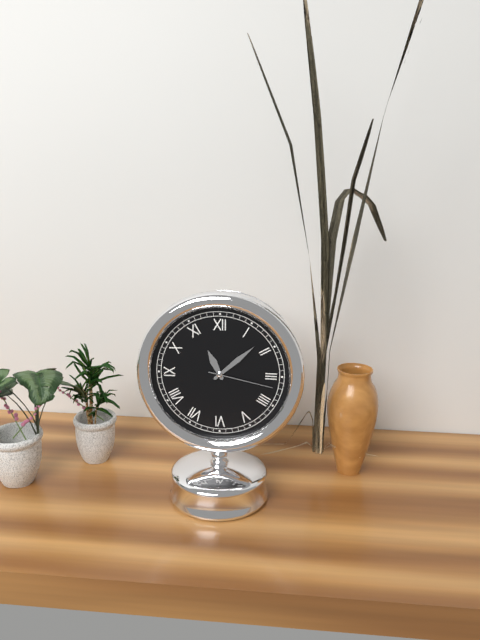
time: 11:08:17
